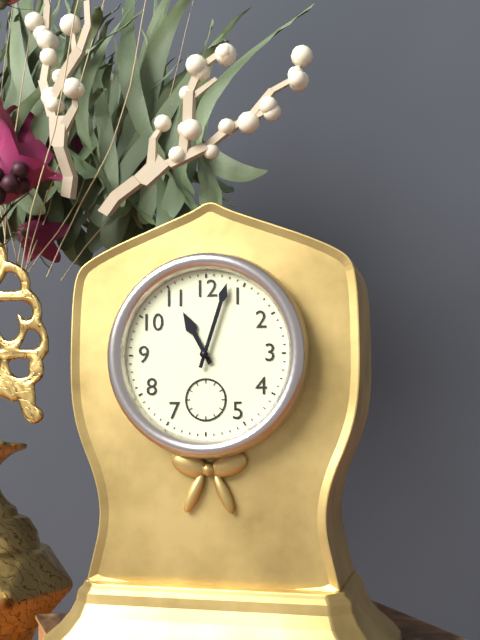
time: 11:03
